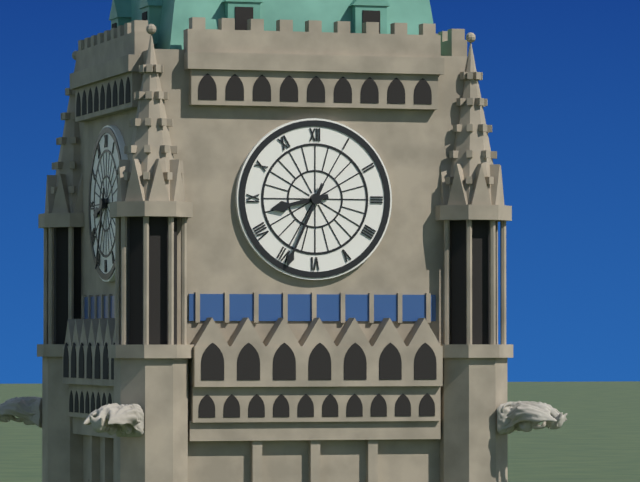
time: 8:34
